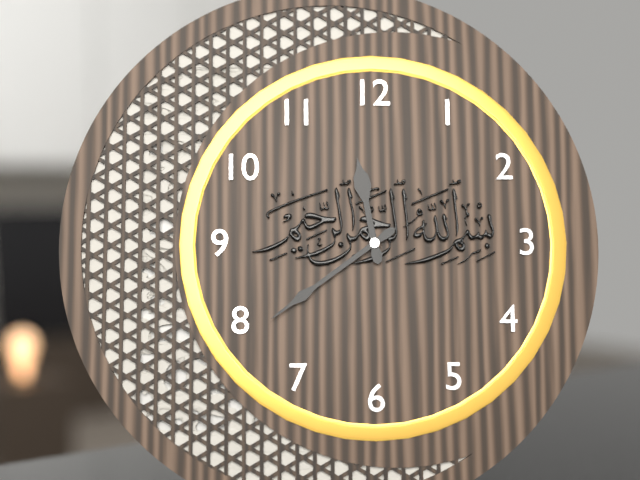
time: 11:39
